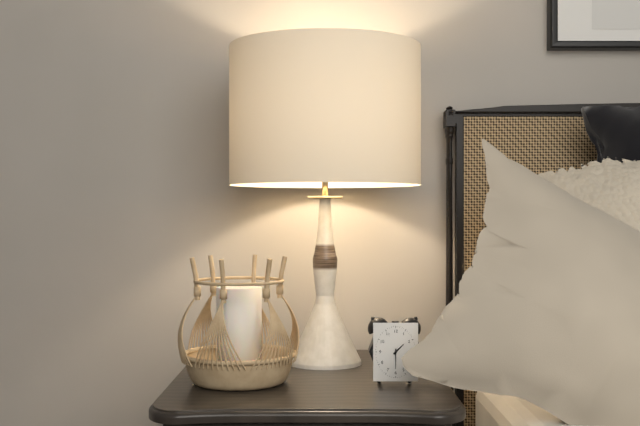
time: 1:30
